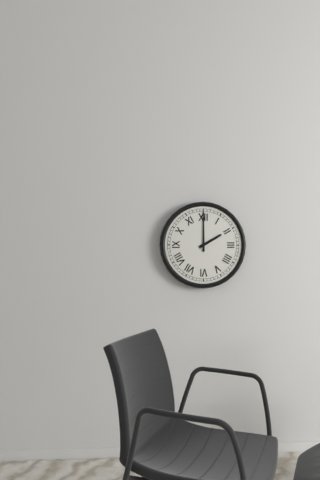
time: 2:00
